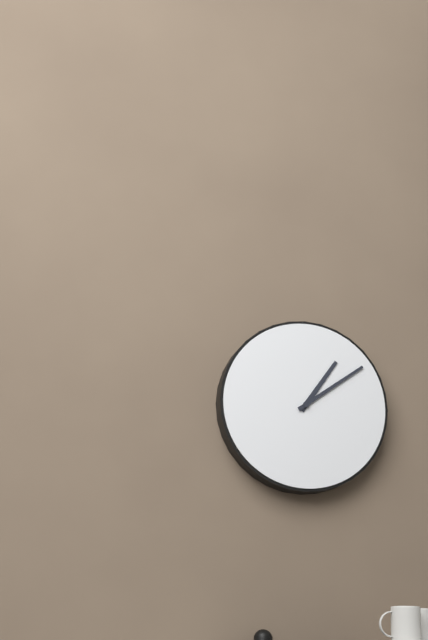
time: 1:09
